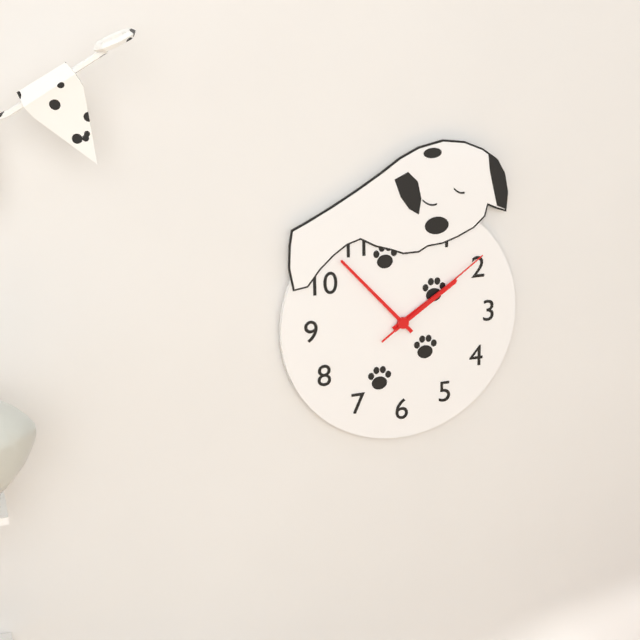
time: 1:53:09
